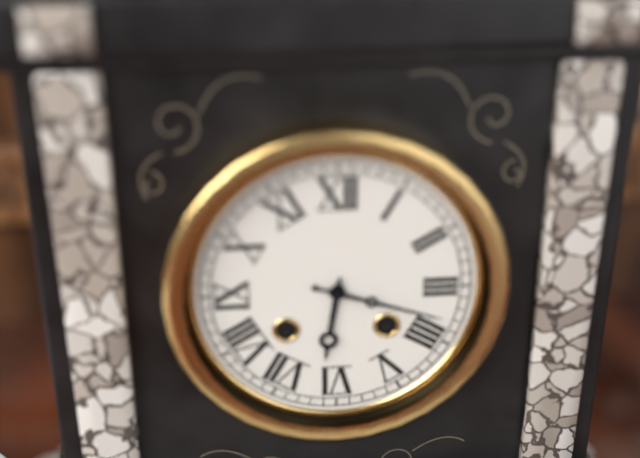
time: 6:18
